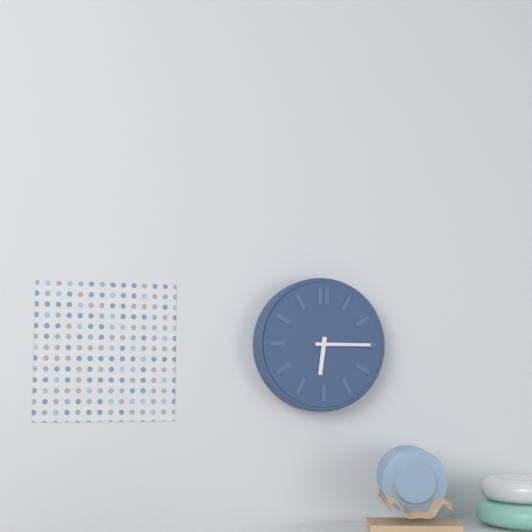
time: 6:15
